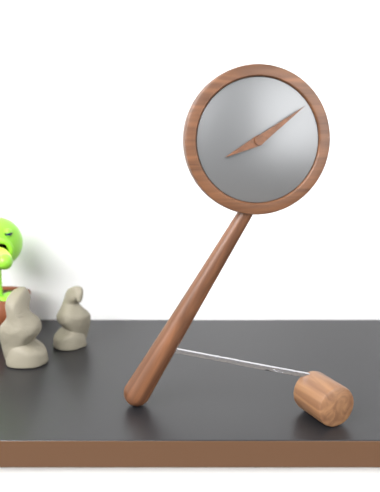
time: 8:09
